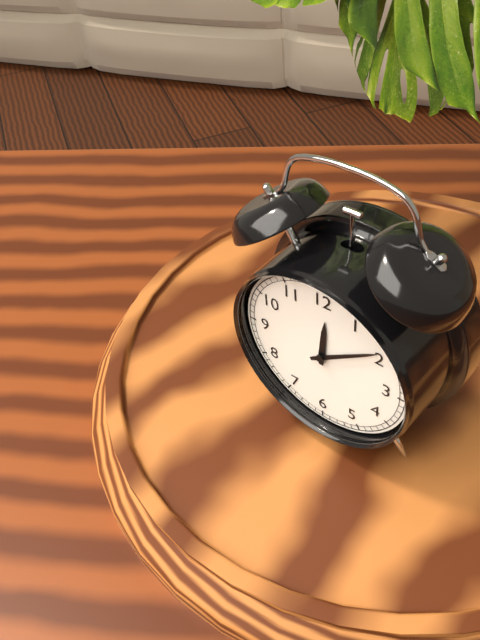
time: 12:09
